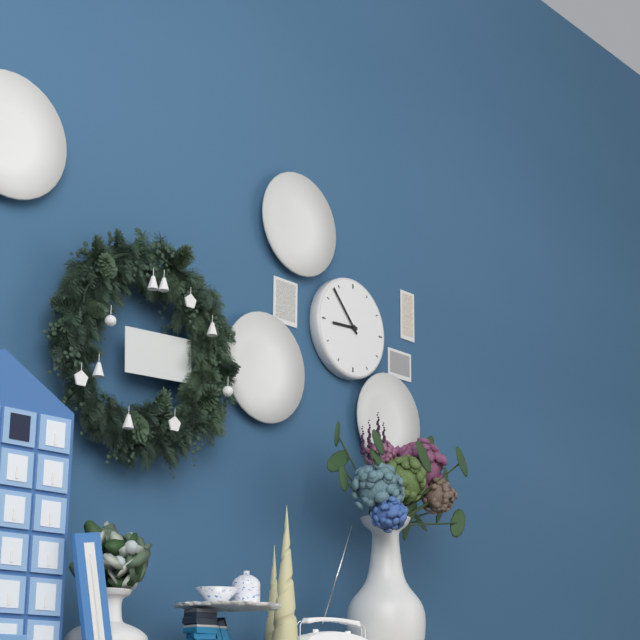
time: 8:53
